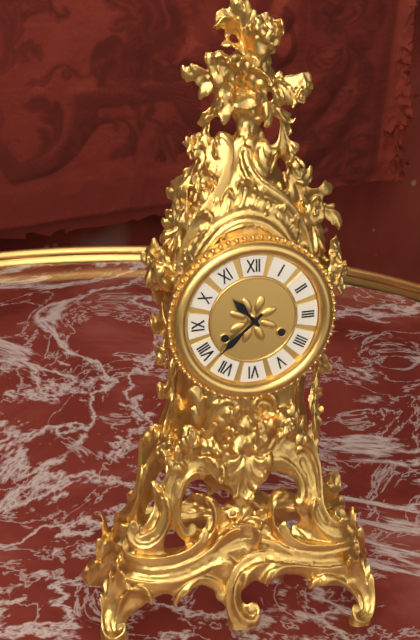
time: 10:38
